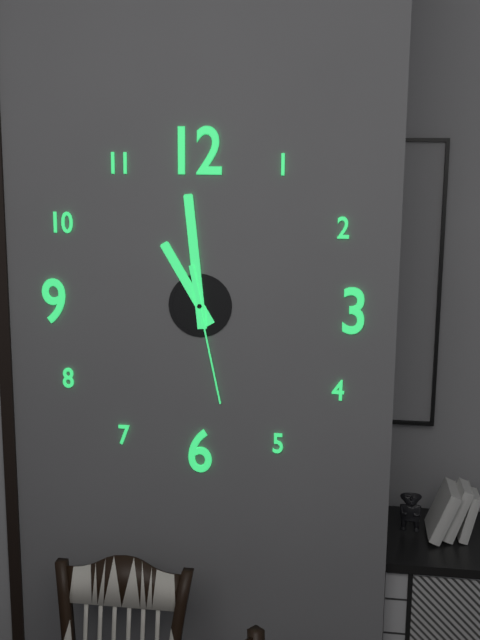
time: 10:59:28
